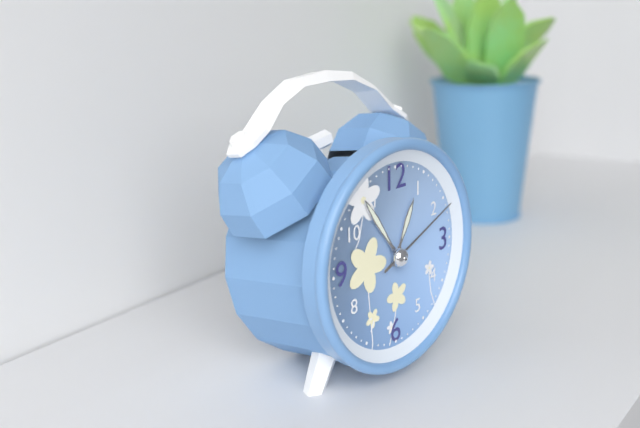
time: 12:54:11
